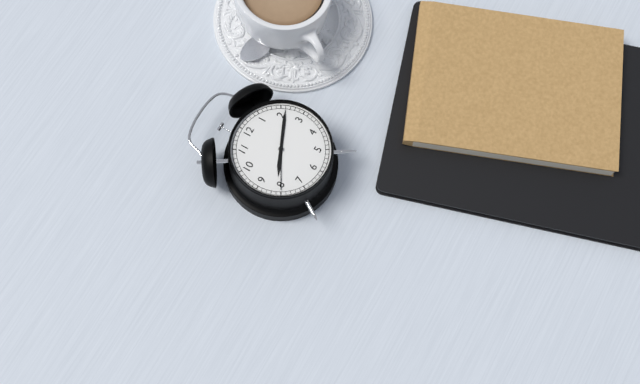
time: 8:11:40
